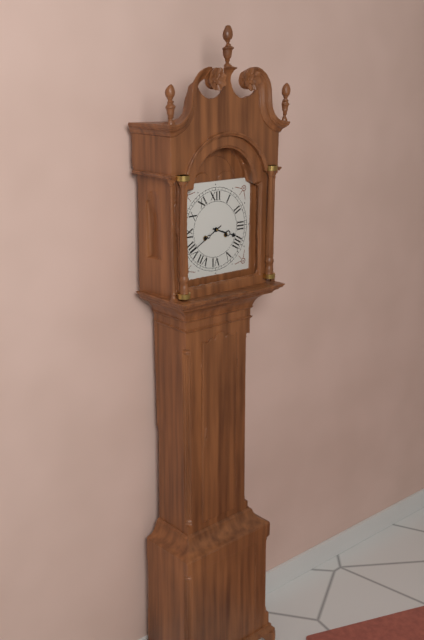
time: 3:40
